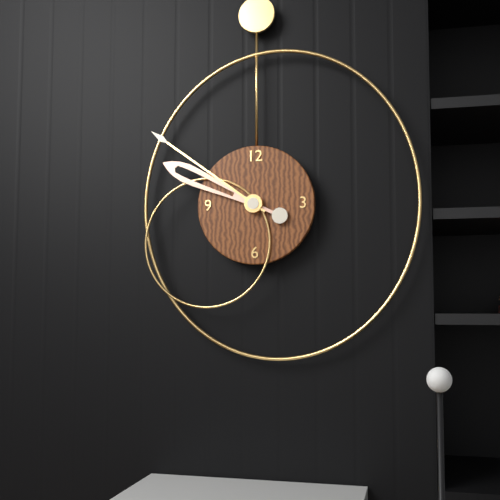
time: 9:51
